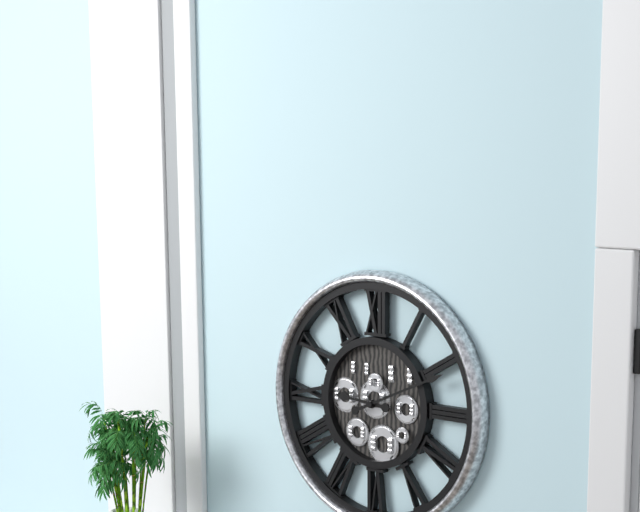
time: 9:11
